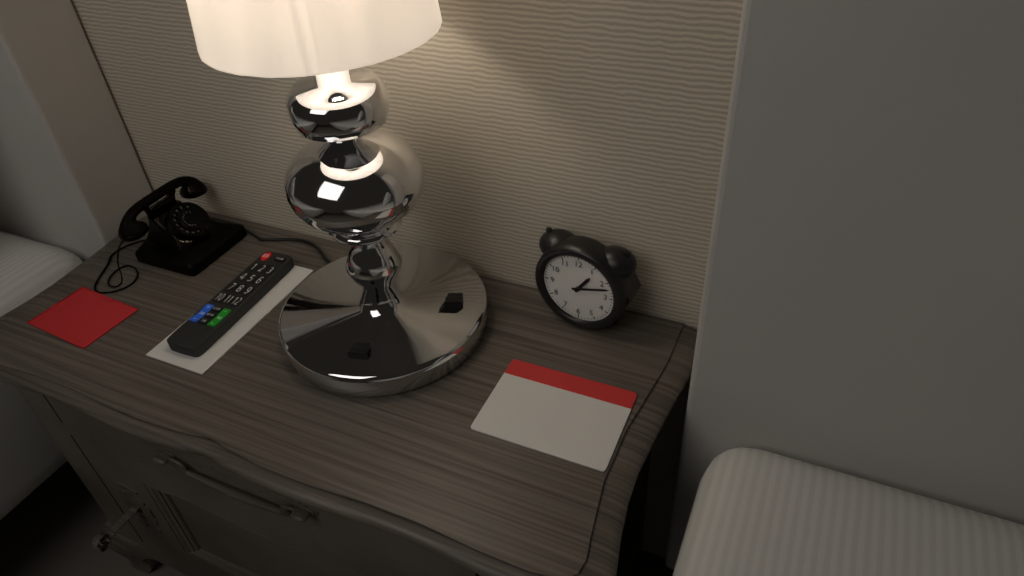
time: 1:12
